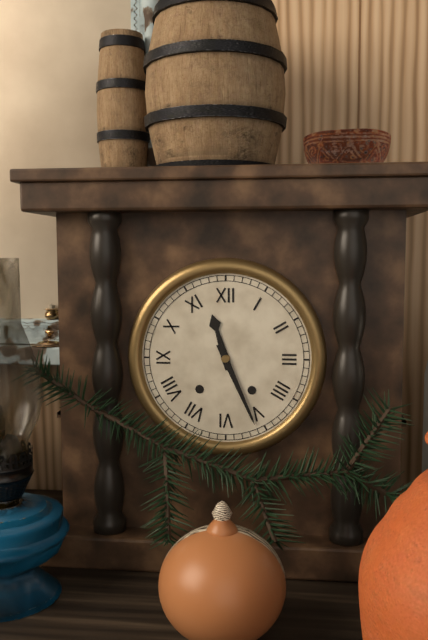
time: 11:26
